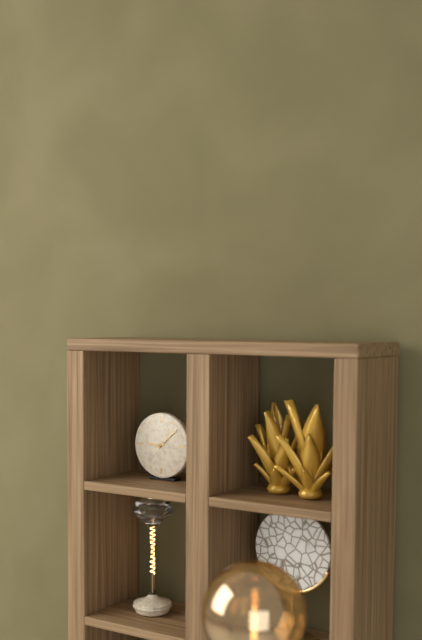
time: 9:08
